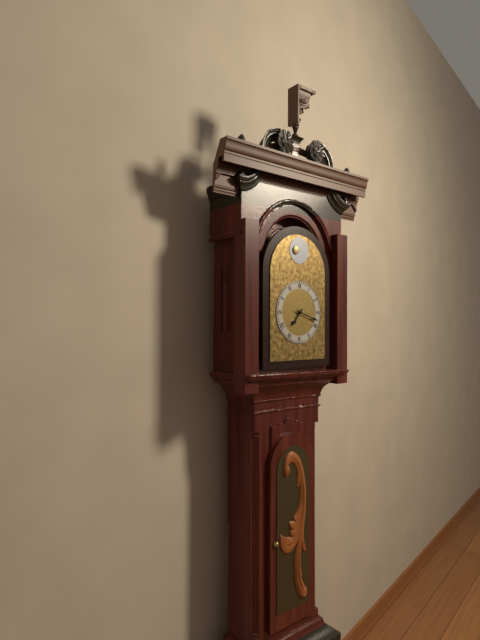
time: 7:18
